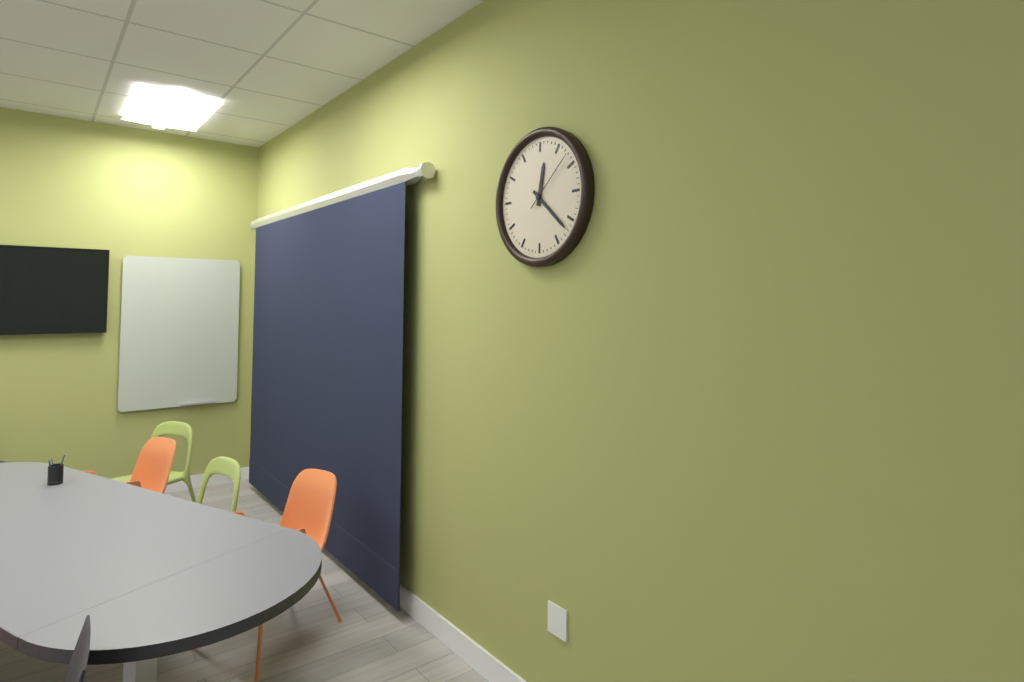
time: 12:22:08
